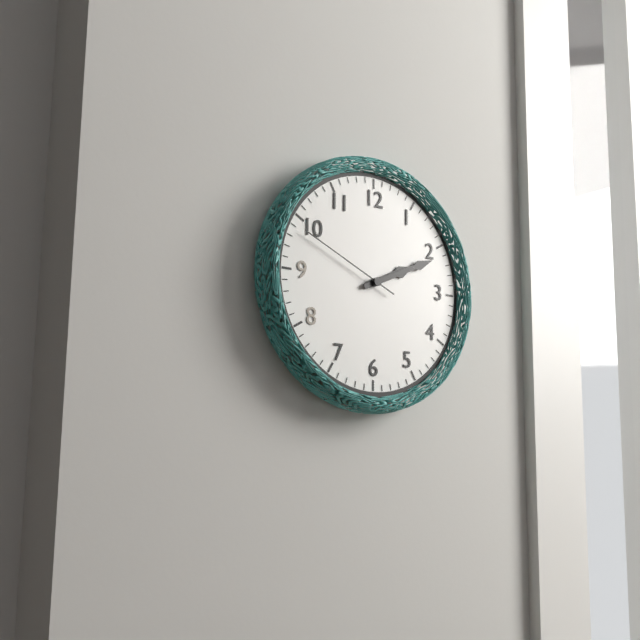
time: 2:11:49
